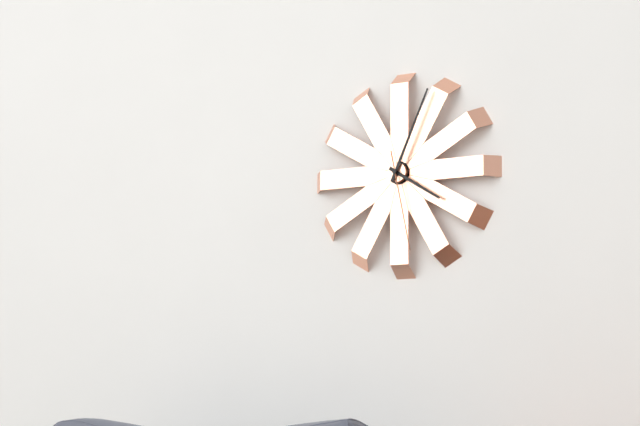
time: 4:04:28
